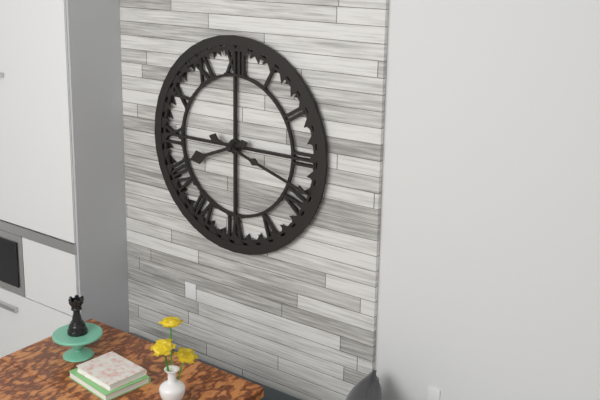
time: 8:18
